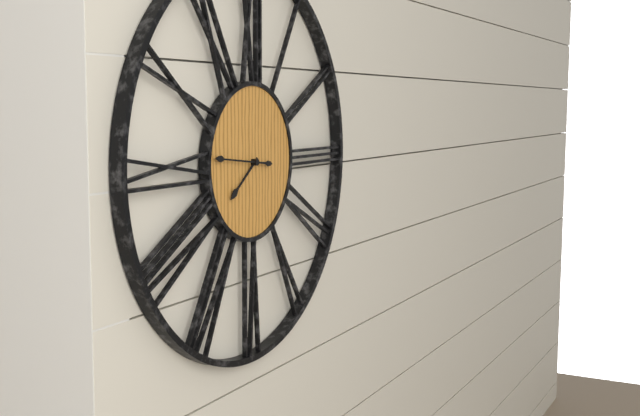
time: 7:46
